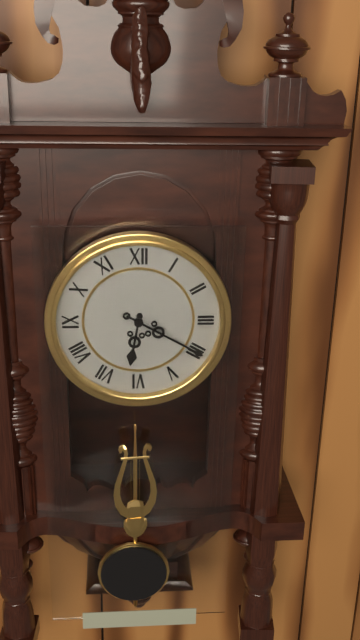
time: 6:20
